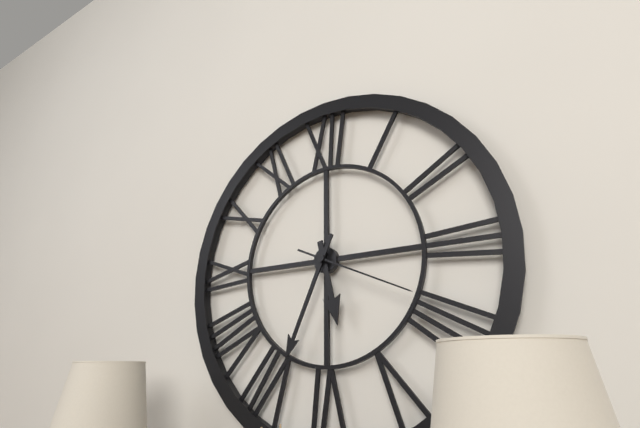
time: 5:34:19
